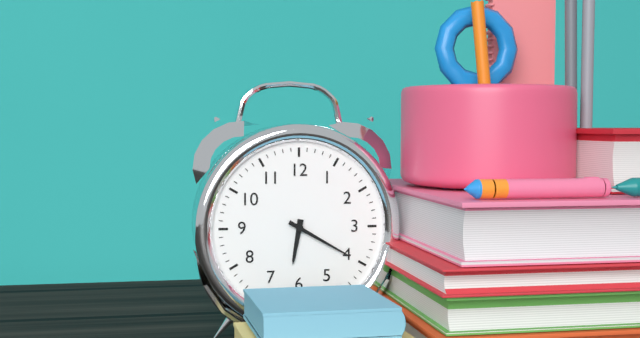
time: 6:20
